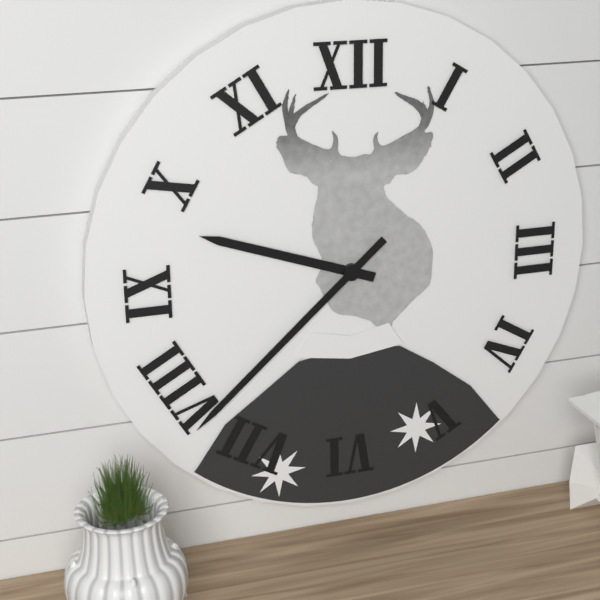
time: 9:38
